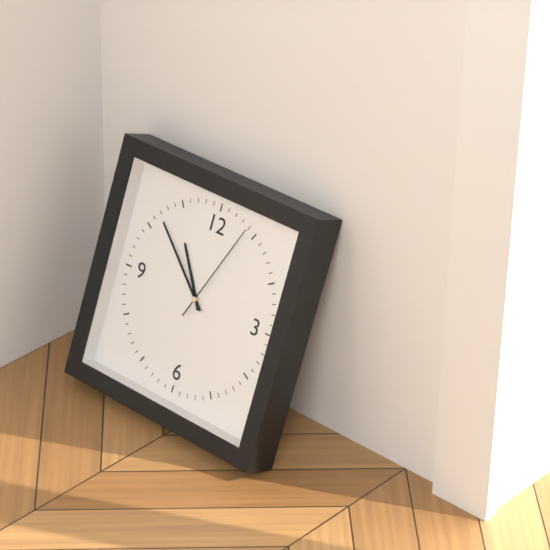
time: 10:52:04
